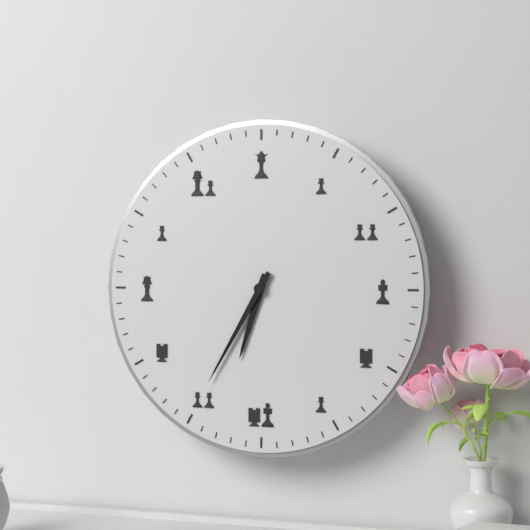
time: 6:35
